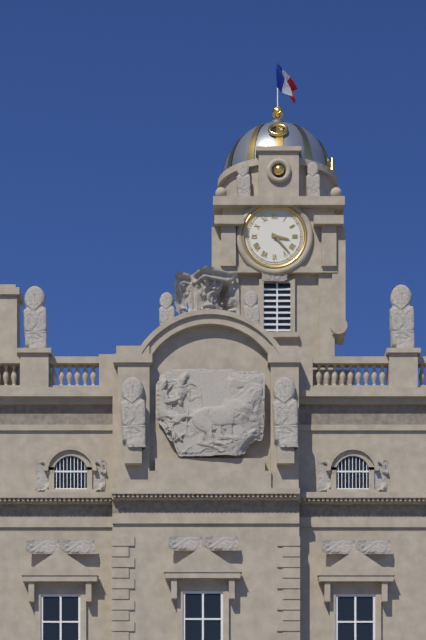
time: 3:23
